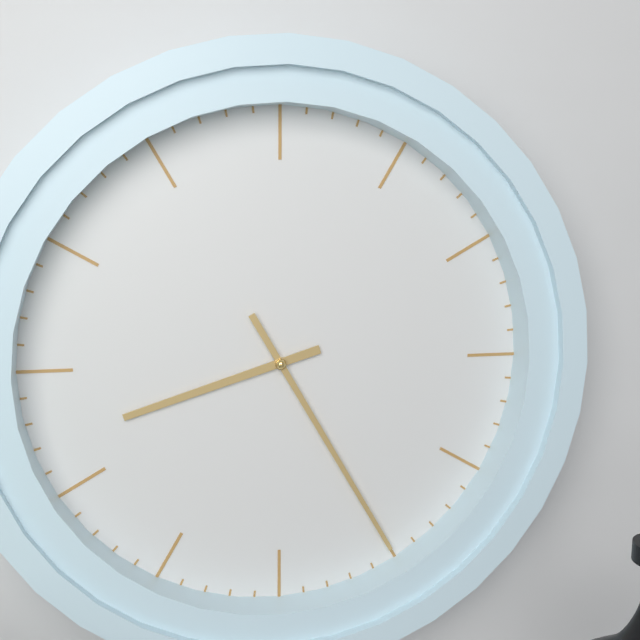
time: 8:25
